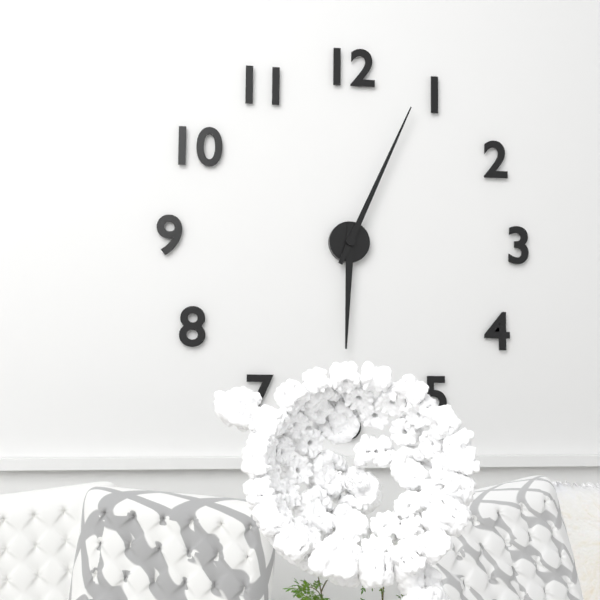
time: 6:04
